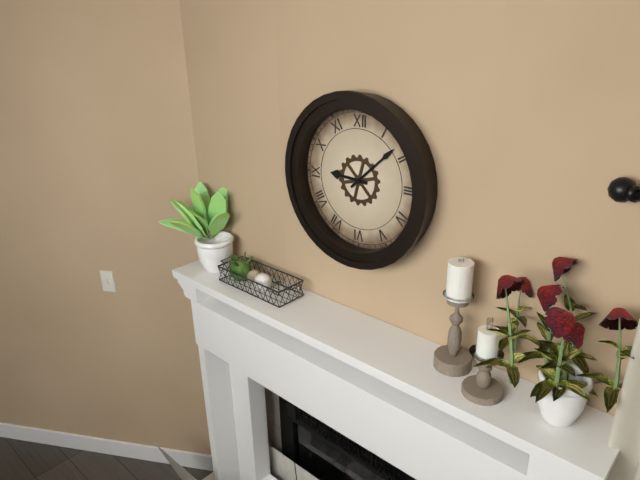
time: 9:08
